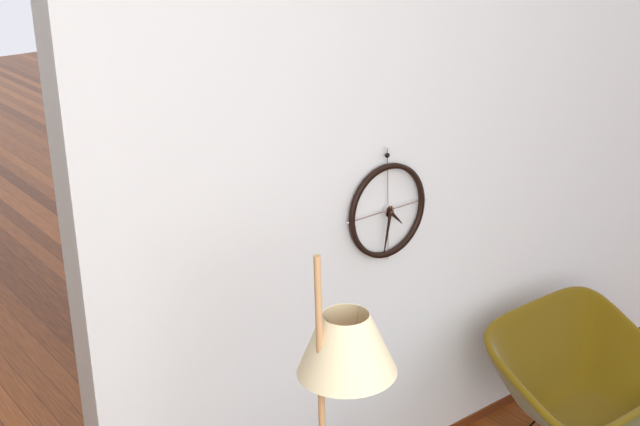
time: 4:32
